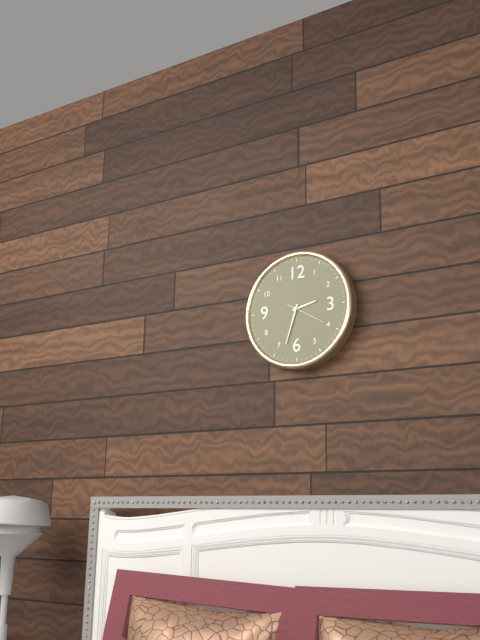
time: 2:33
